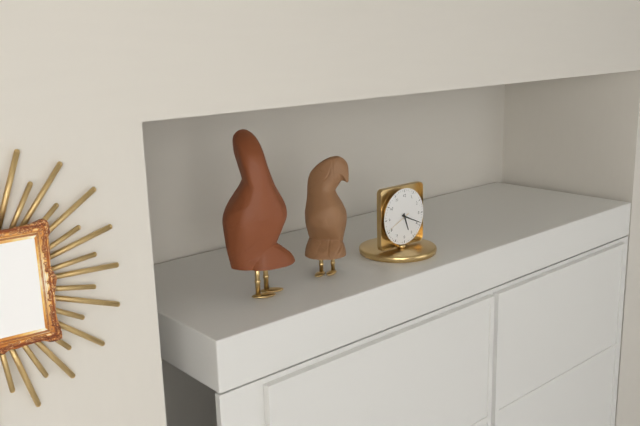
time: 5:19
